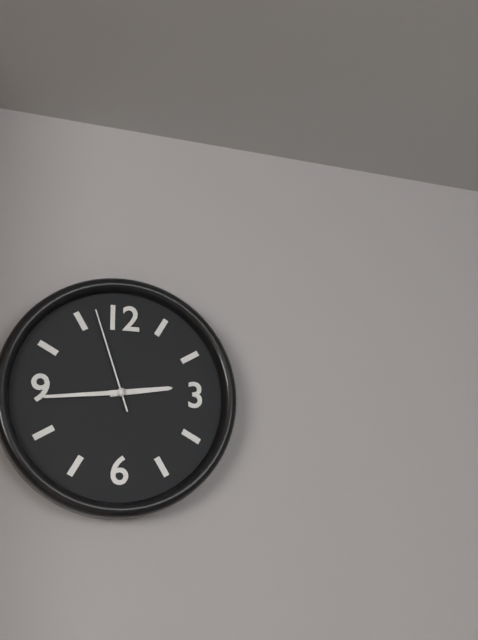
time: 2:44:57
